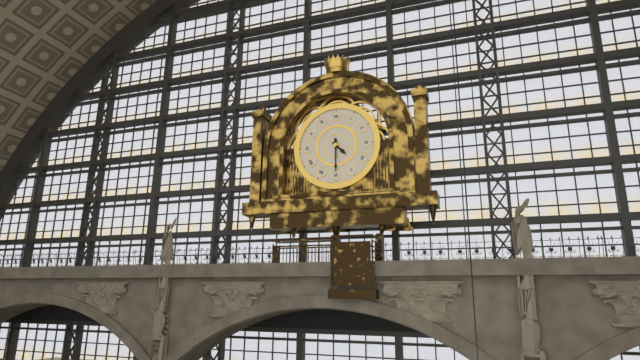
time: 4:30
